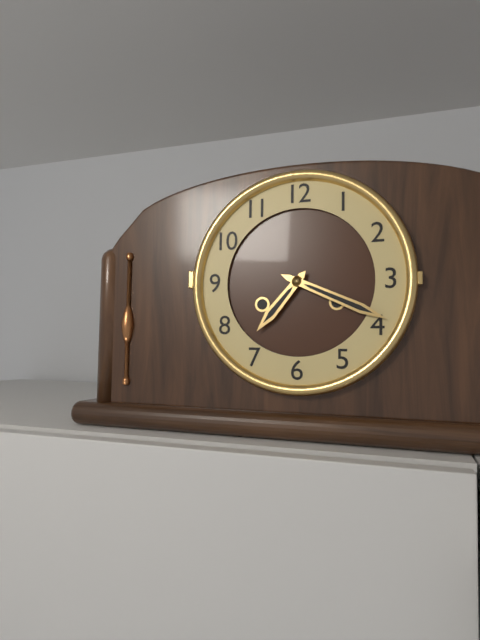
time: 7:19
